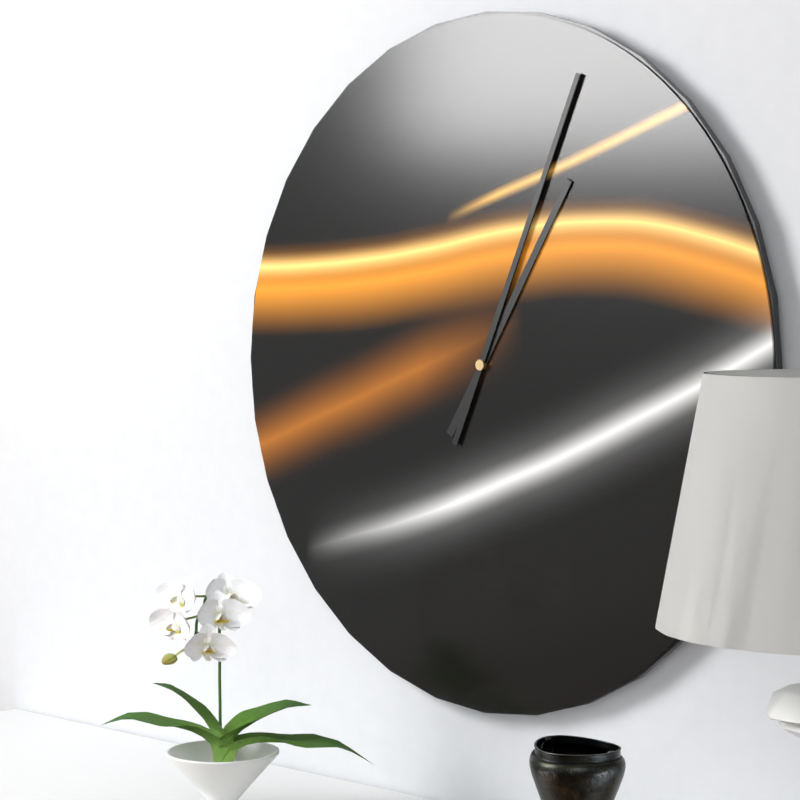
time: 1:04
